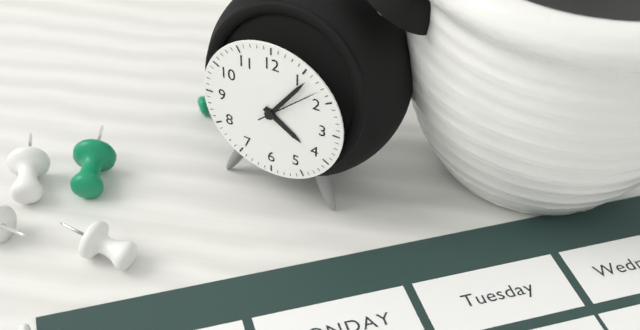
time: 4:06:08
